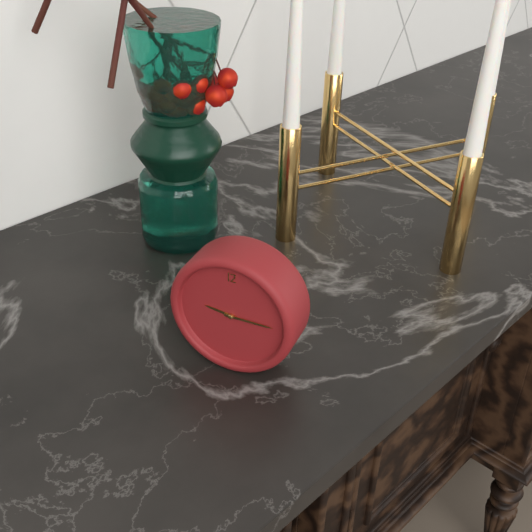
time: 9:15
